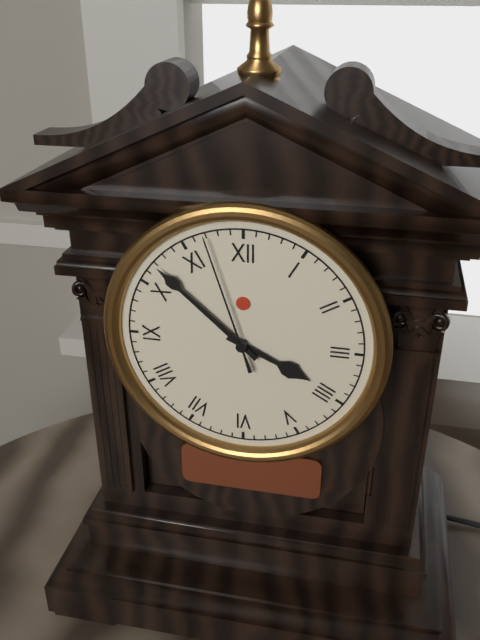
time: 3:52:57
